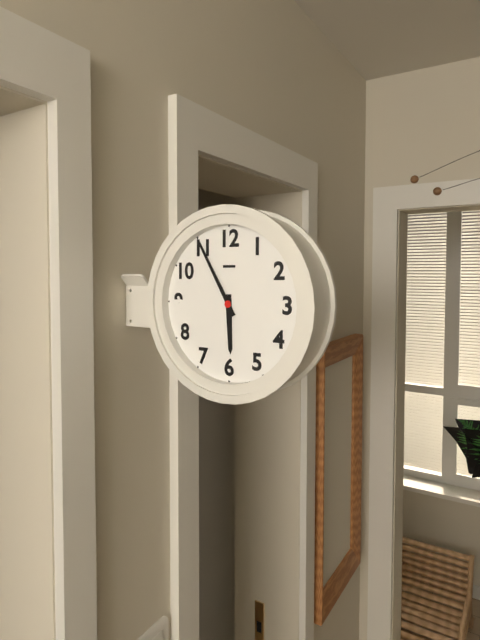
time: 5:55
